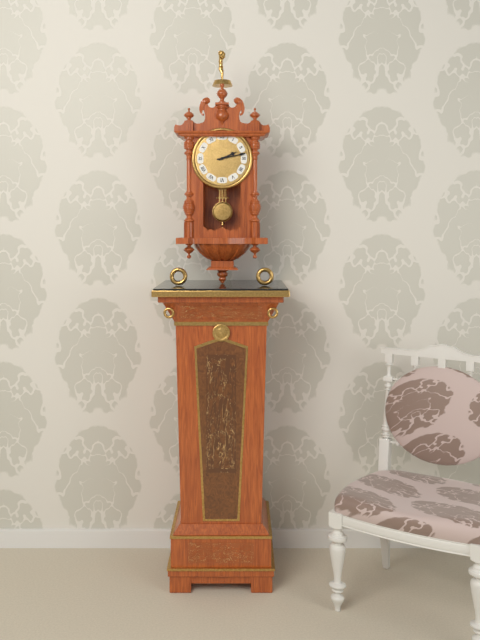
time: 2:13
